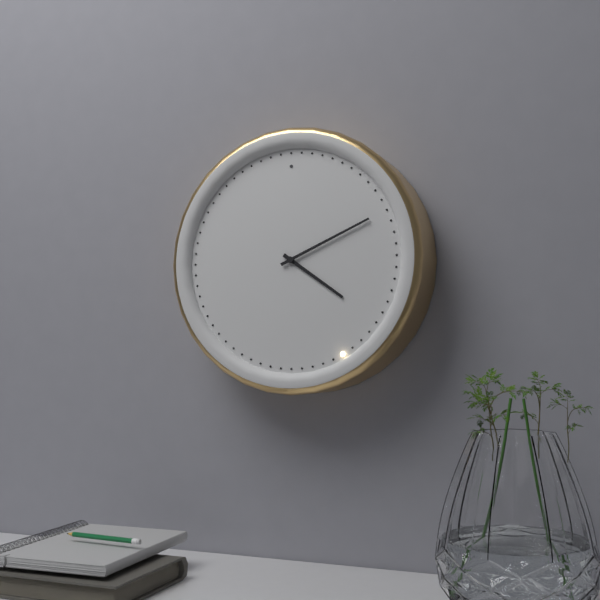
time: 4:11
